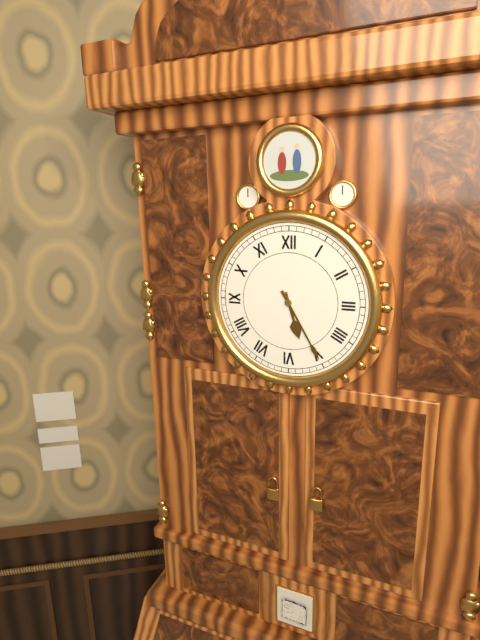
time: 5:25
